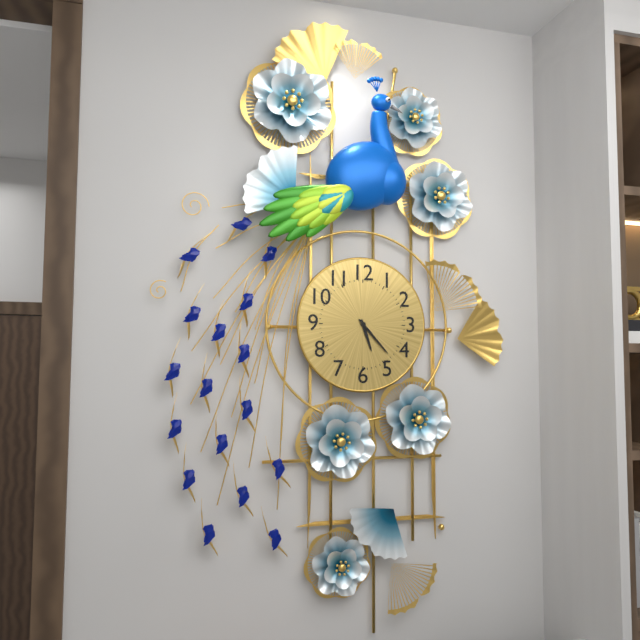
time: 5:23
